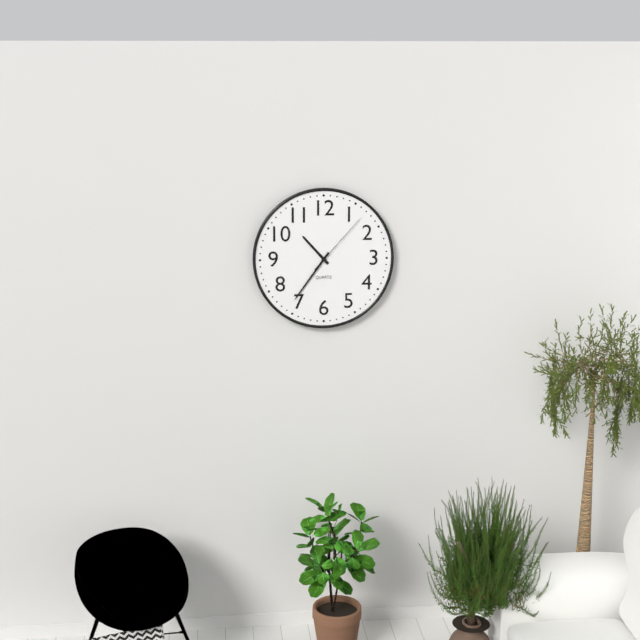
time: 10:36:07
